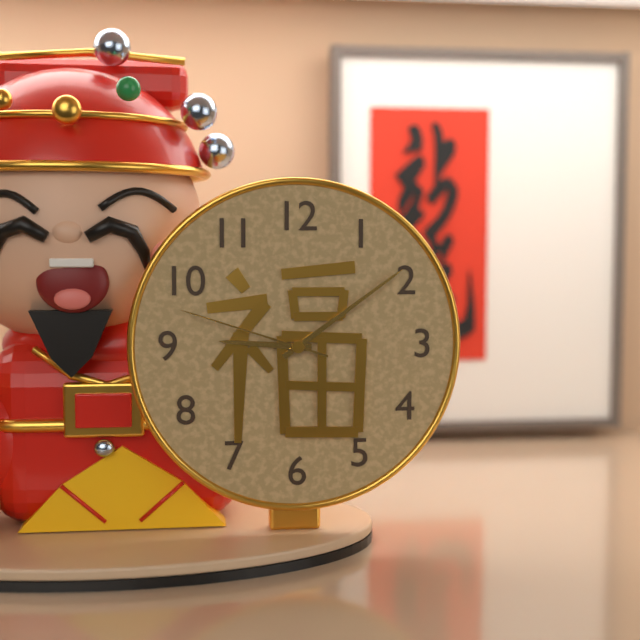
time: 9:09:48
